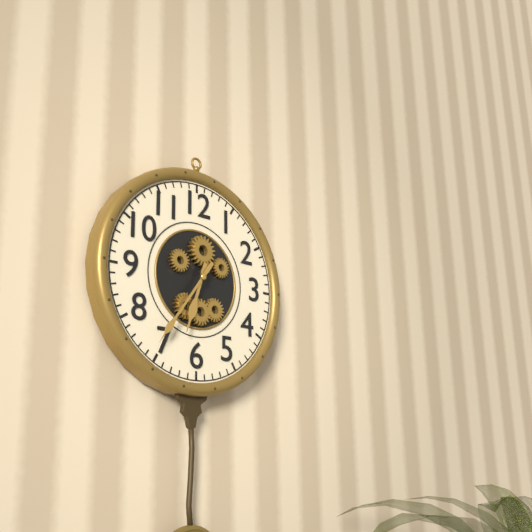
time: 6:36
